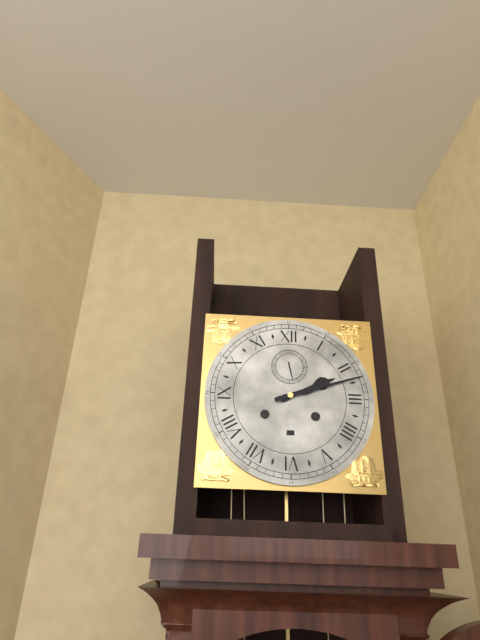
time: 2:12
